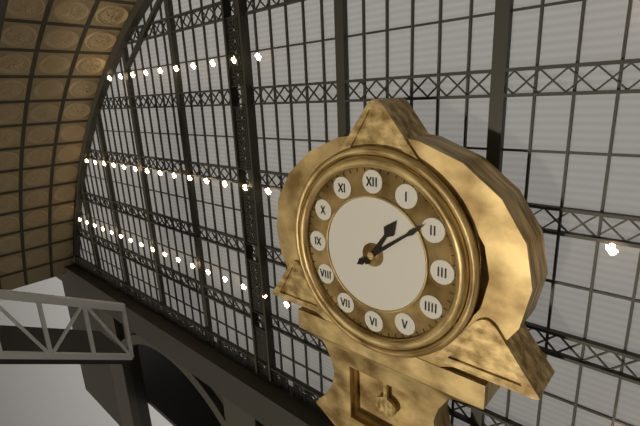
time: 1:09
